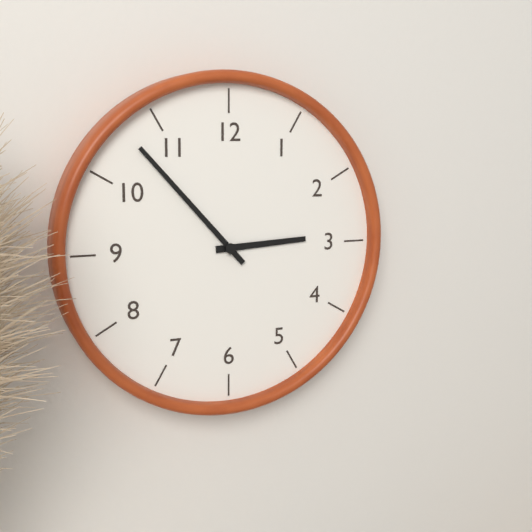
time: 2:53
